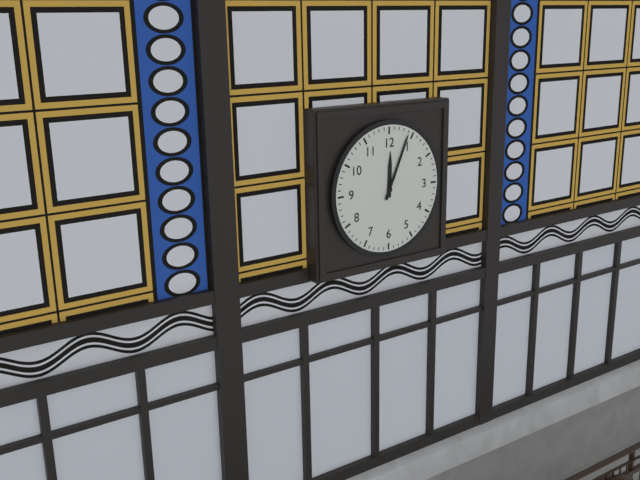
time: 12:04
